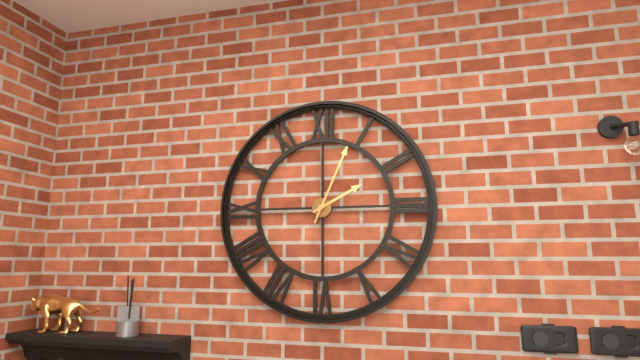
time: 2:04
